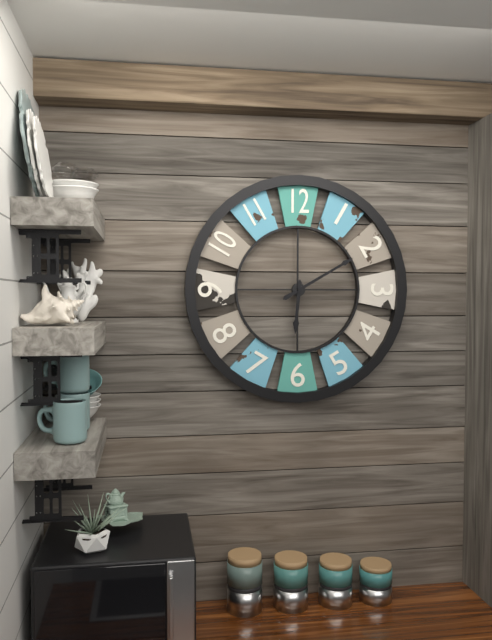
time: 6:10
